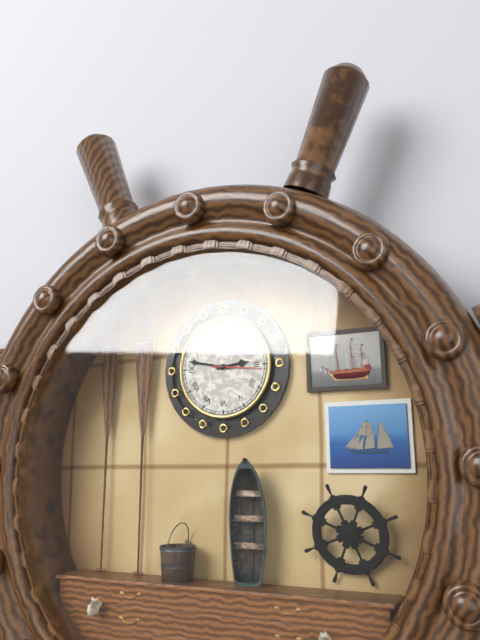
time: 2:47
